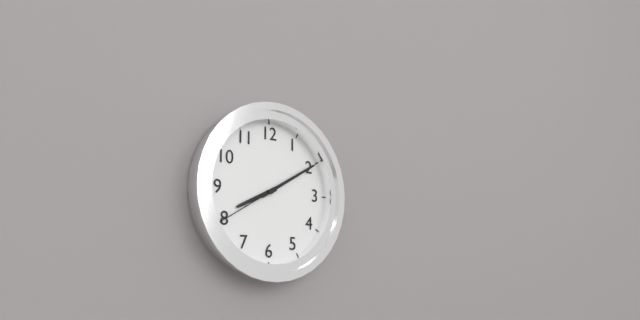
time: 8:10:40
